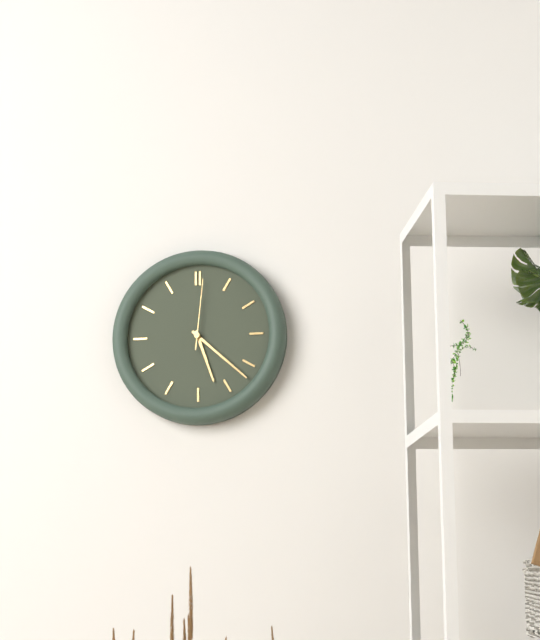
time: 5:22:01
